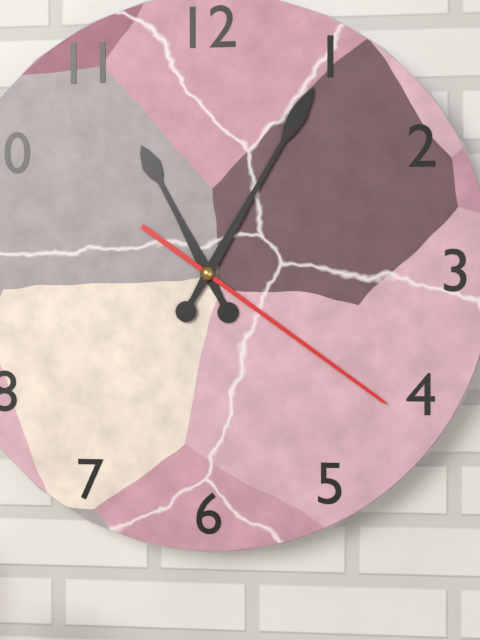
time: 11:05:21
